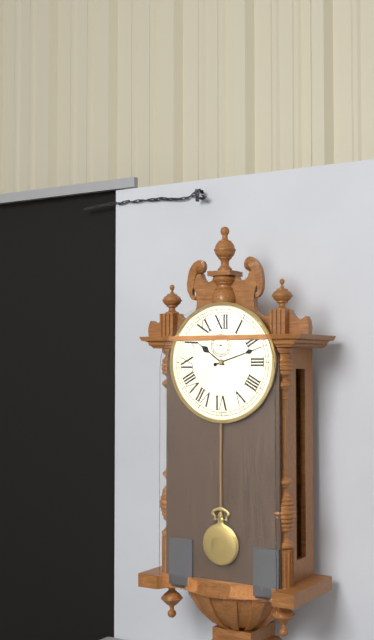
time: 10:12
